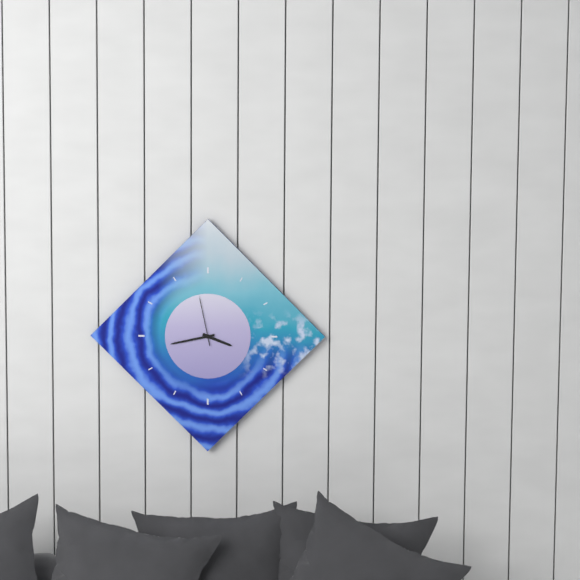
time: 3:43:58
